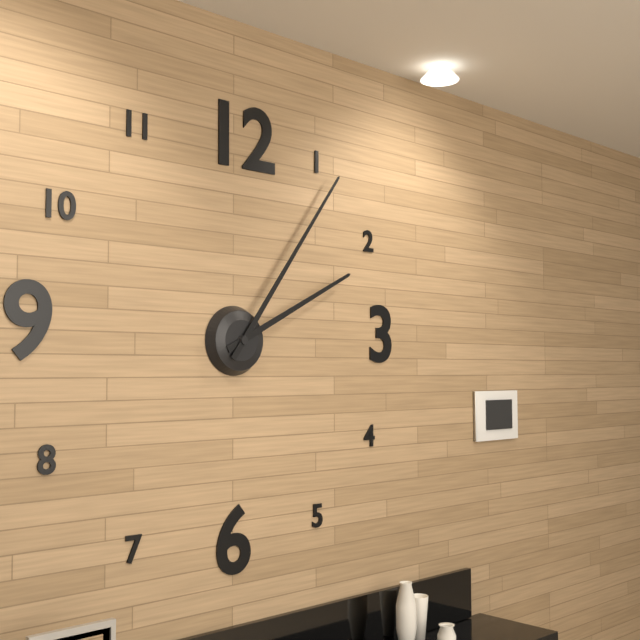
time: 2:06
